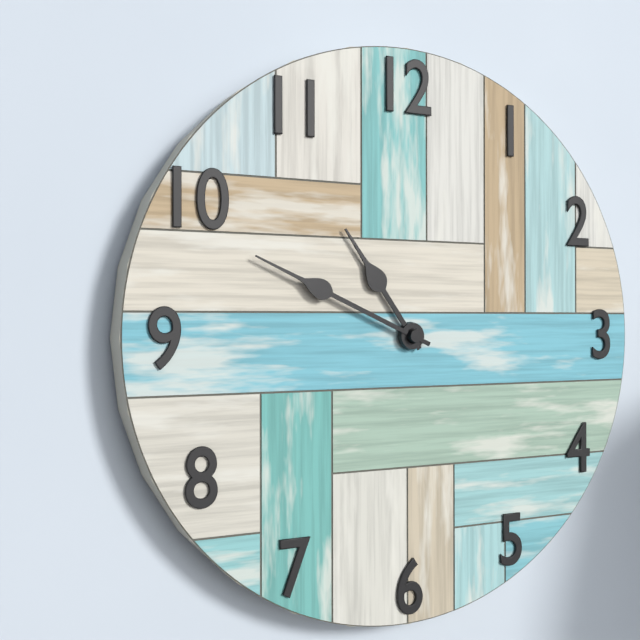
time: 10:49
